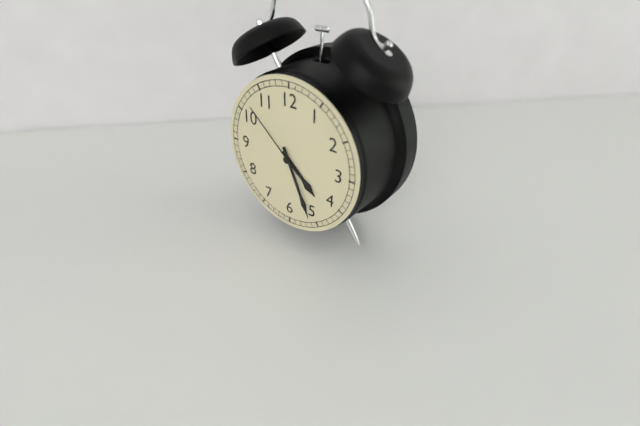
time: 4:26:52
